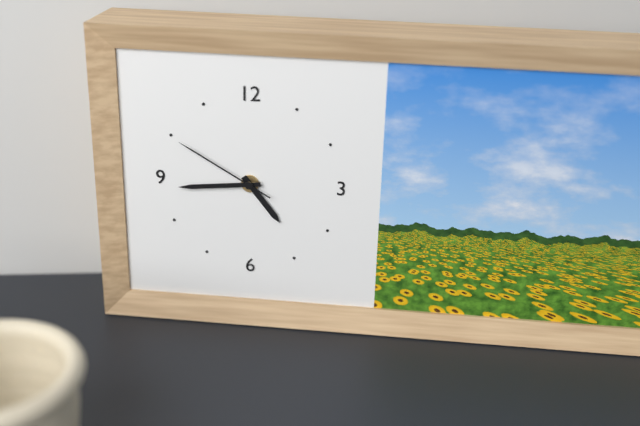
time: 4:44:50
